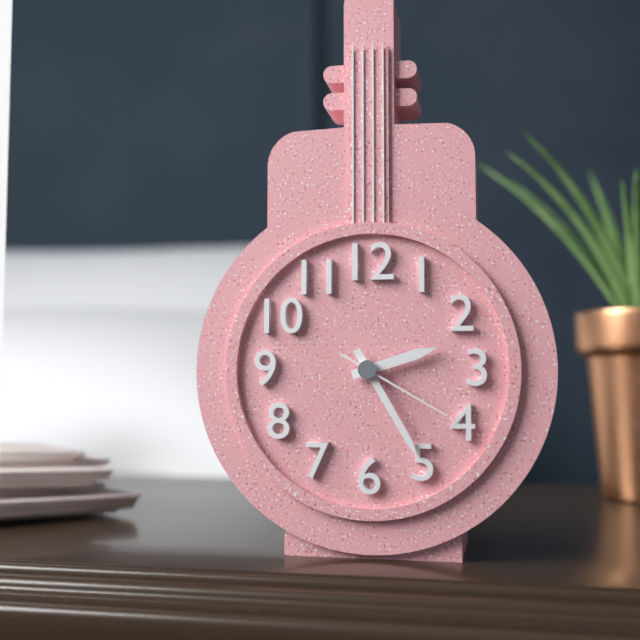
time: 2:25:20
